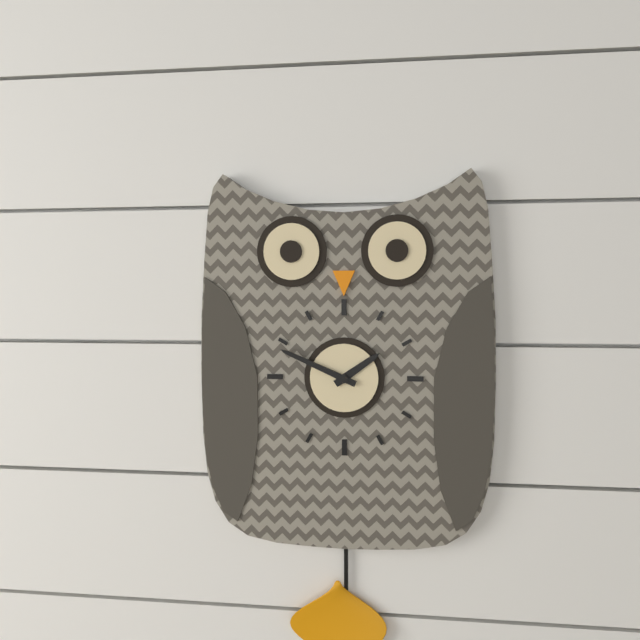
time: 1:49
